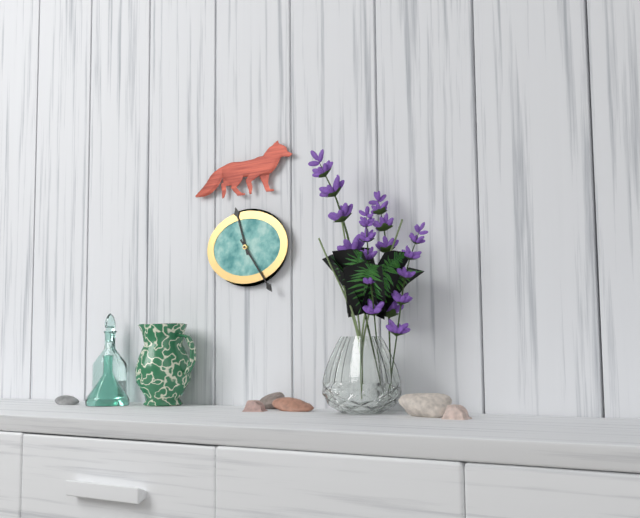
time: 11:24
